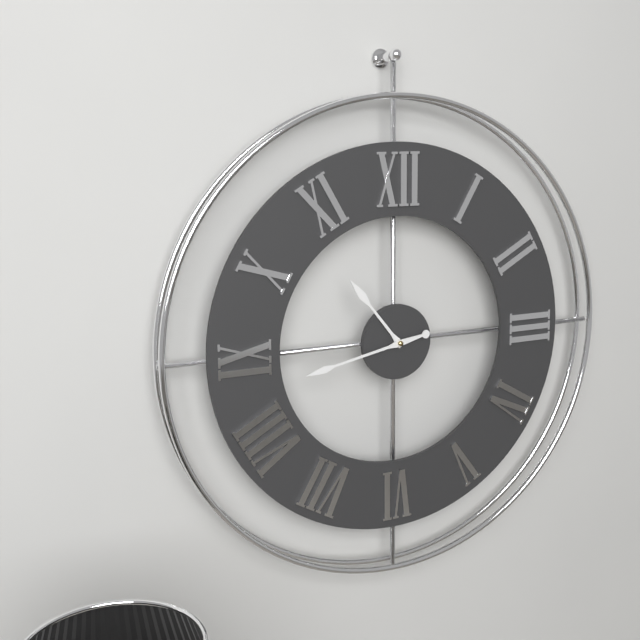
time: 10:43
